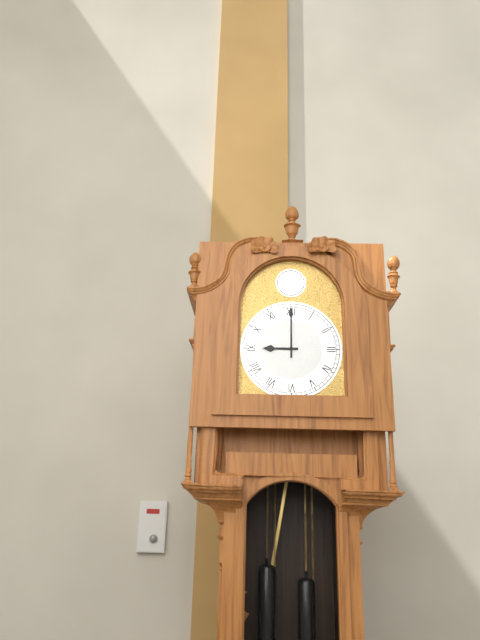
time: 9:00
